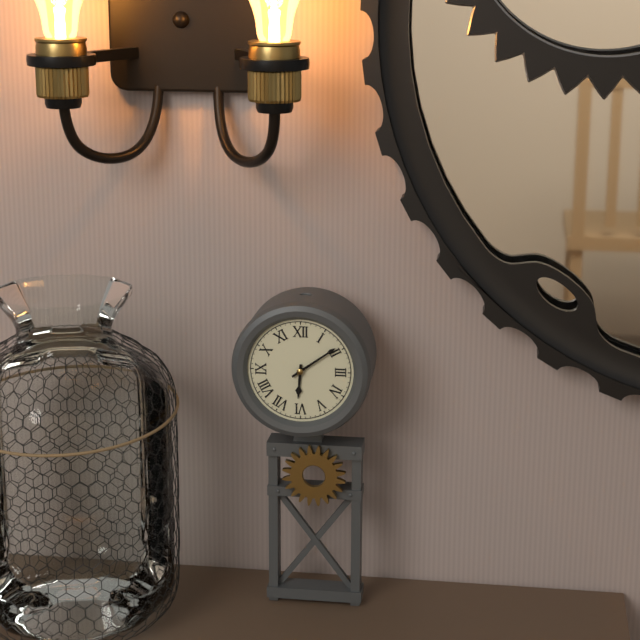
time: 6:09
